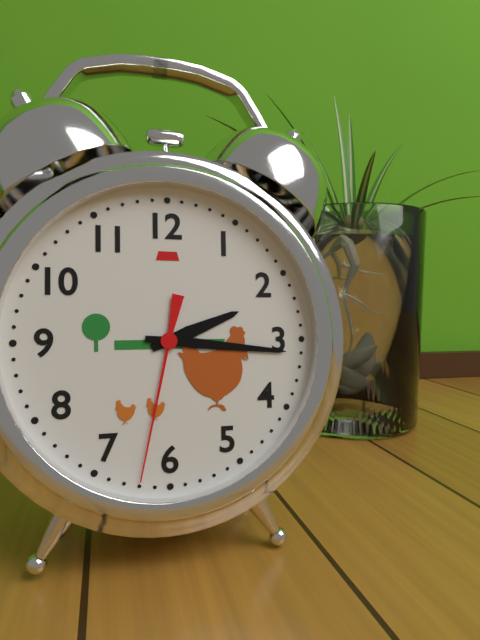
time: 2:16:32
